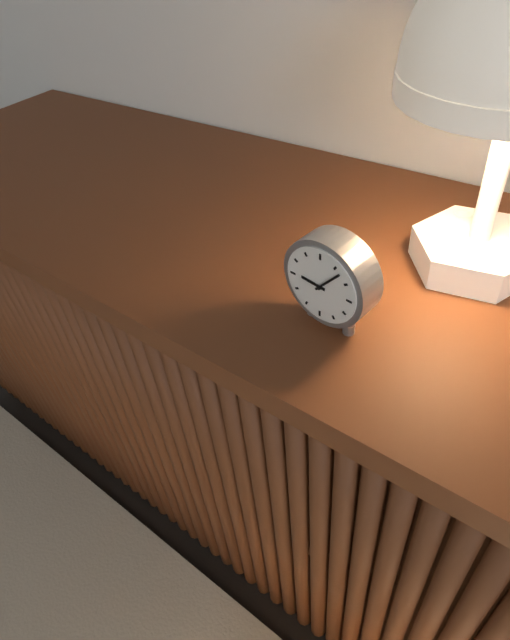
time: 9:07
